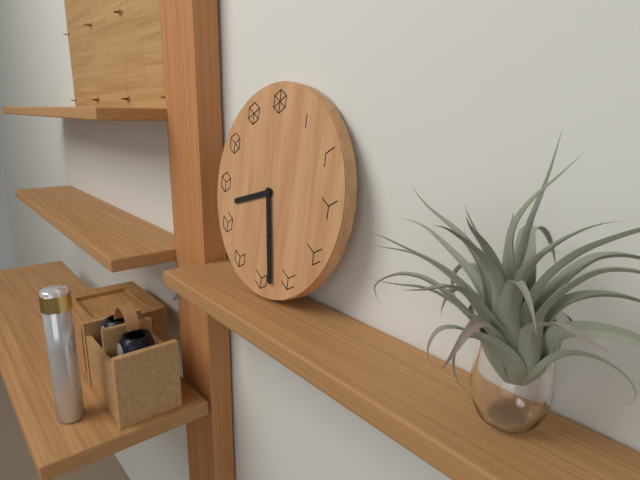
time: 8:28
